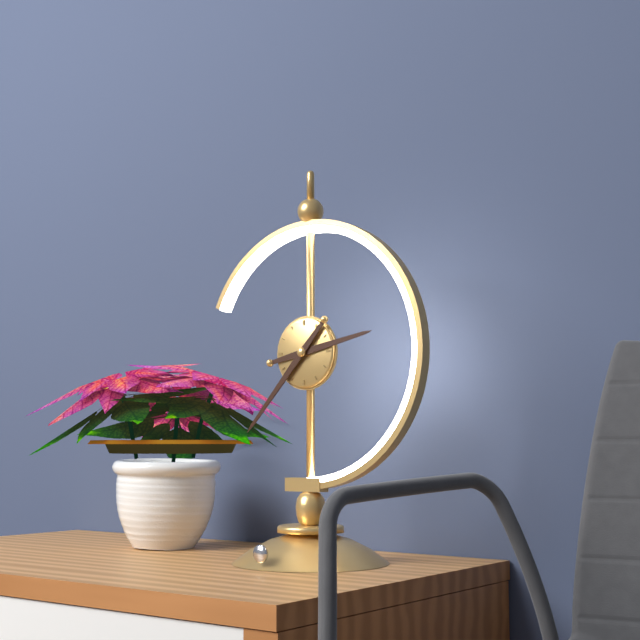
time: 2:37
